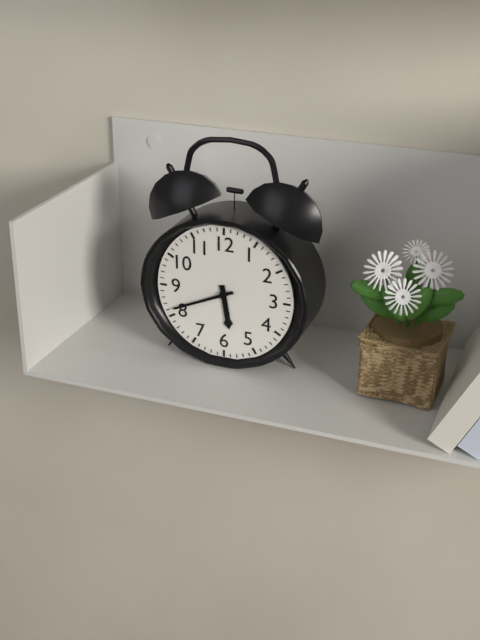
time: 5:41
